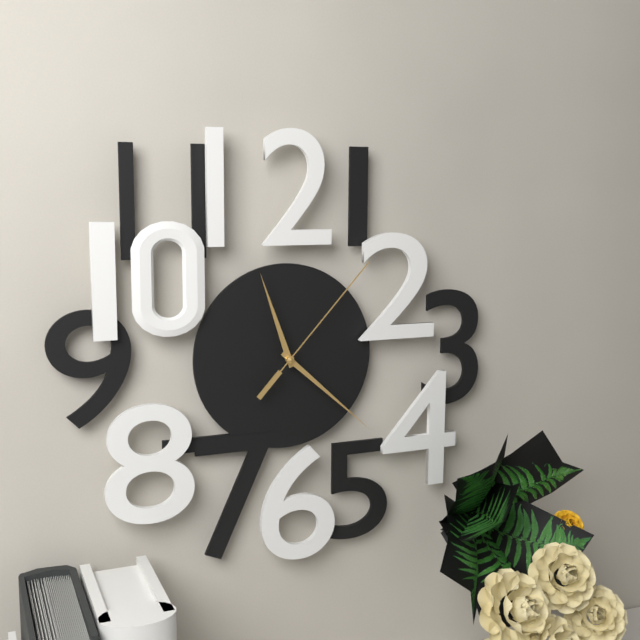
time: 11:22:07
